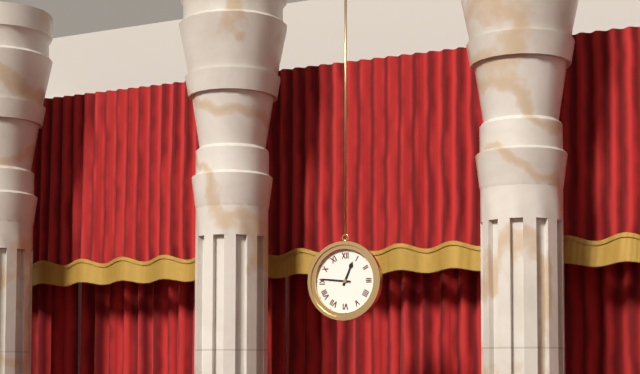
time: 12:46
